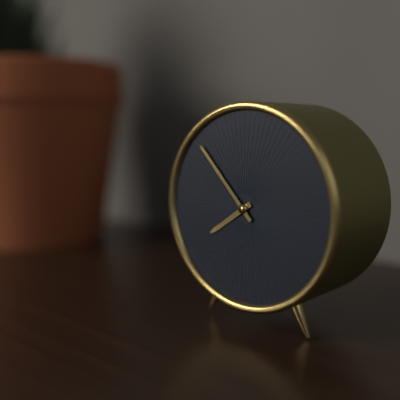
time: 7:53
